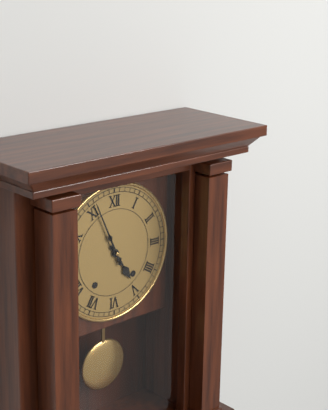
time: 4:56
